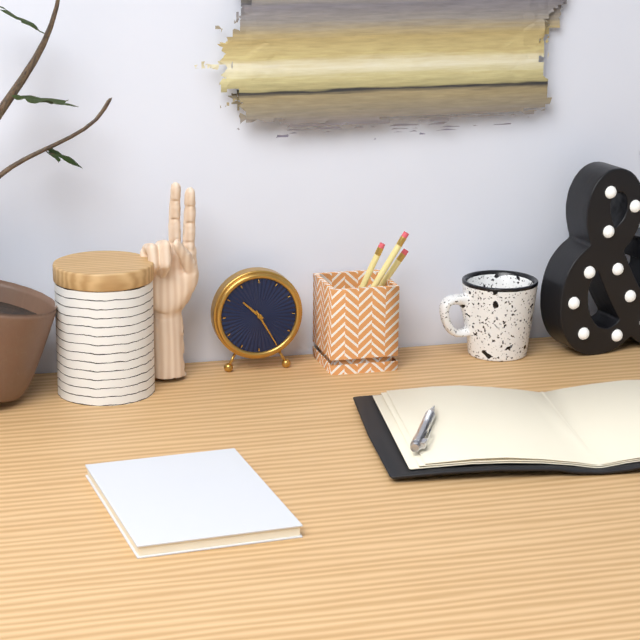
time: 10:25
